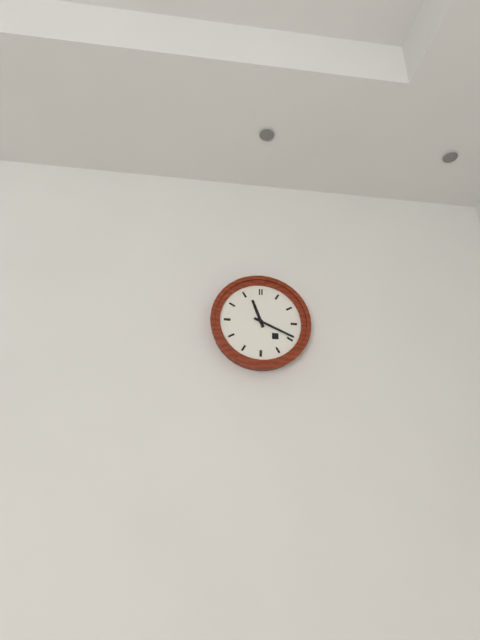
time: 11:19
